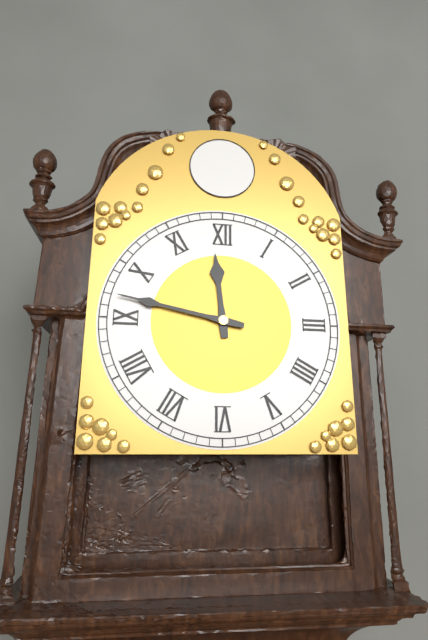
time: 11:47
